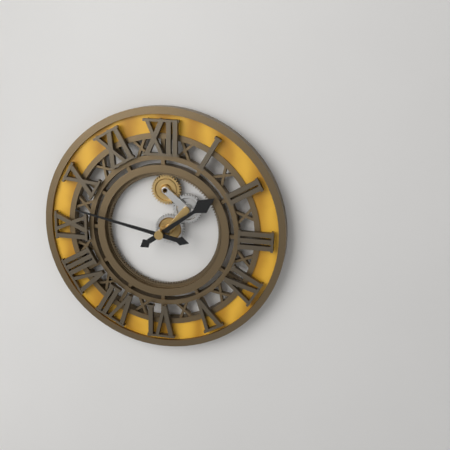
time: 1:47
